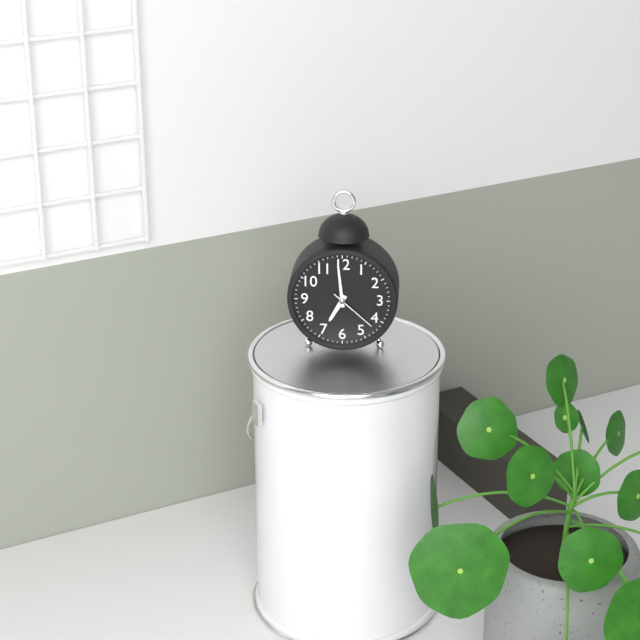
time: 6:59
